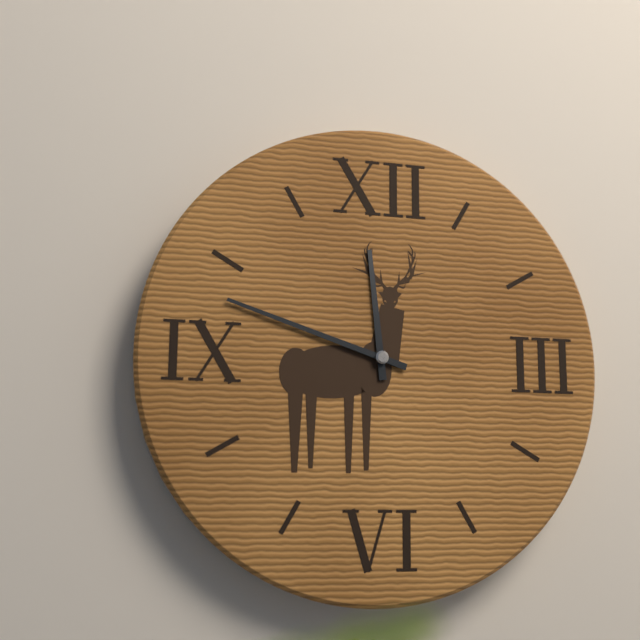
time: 11:48
